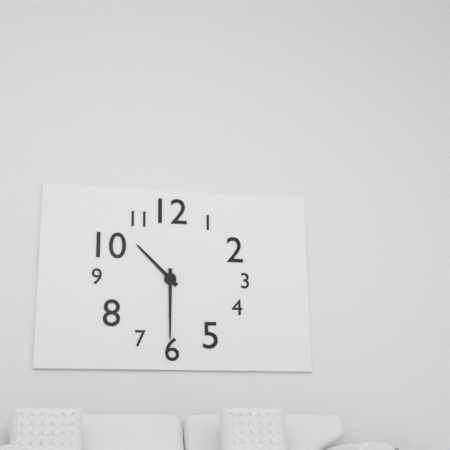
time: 10:30
